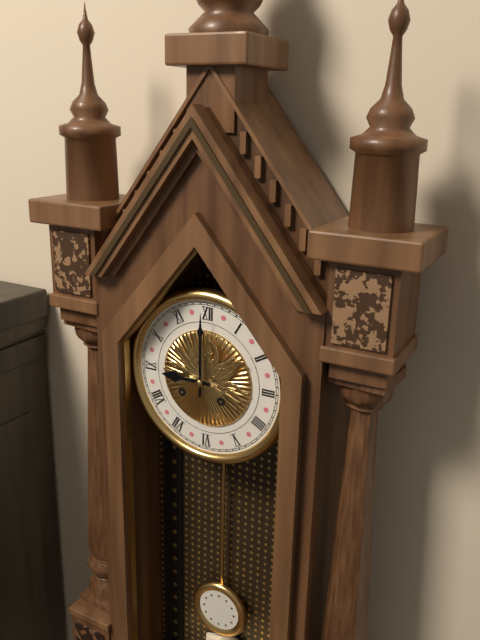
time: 9:00
